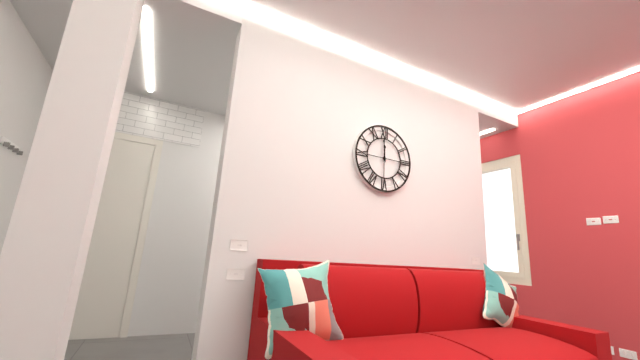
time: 11:59
